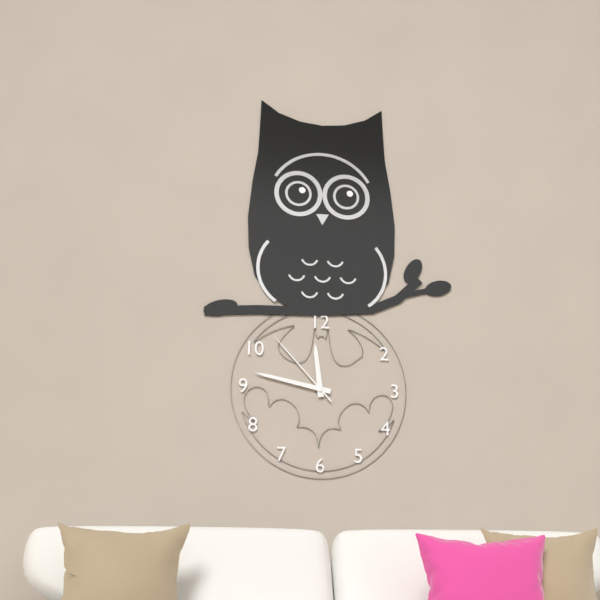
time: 11:47:53
